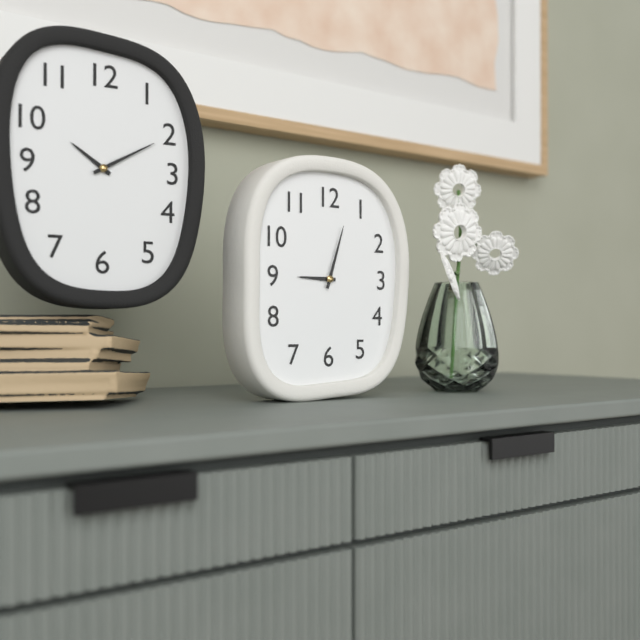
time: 9:03
